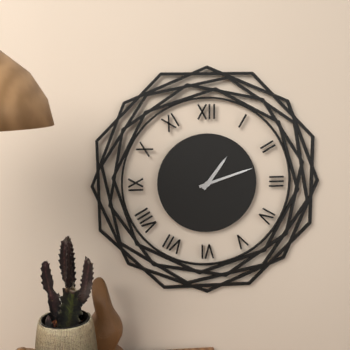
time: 1:12
